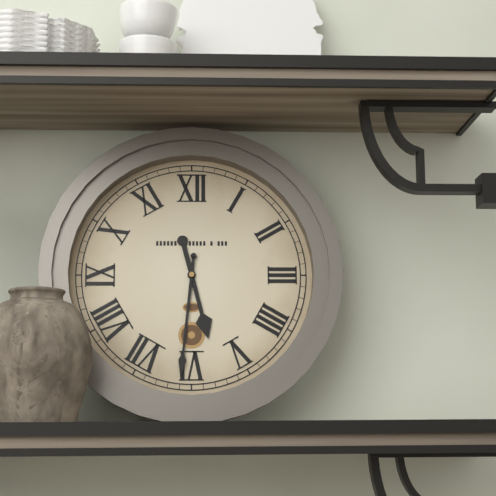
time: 5:31
